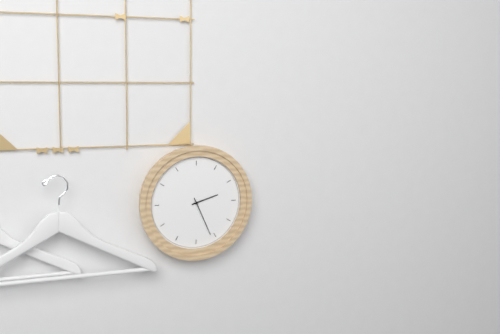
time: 2:26
